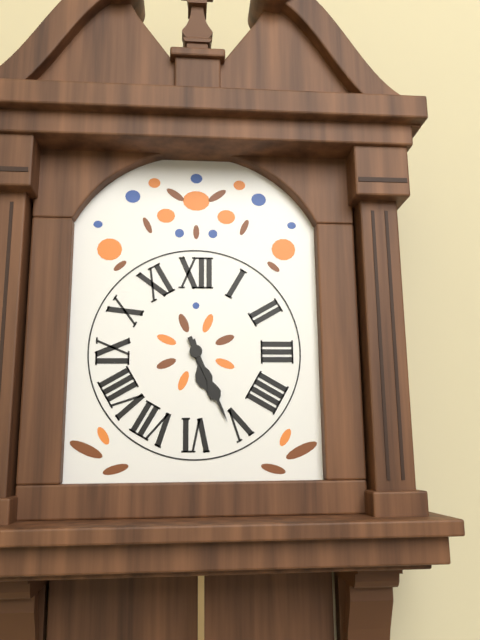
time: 5:26
